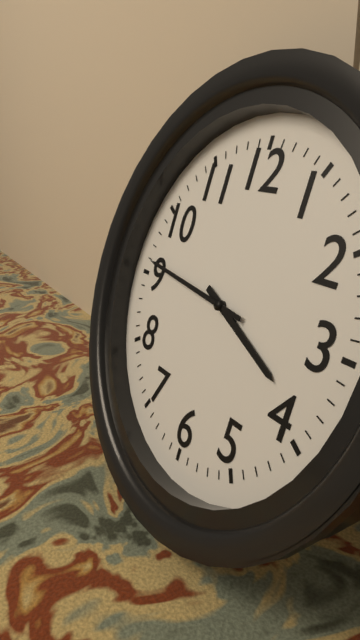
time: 3:46
